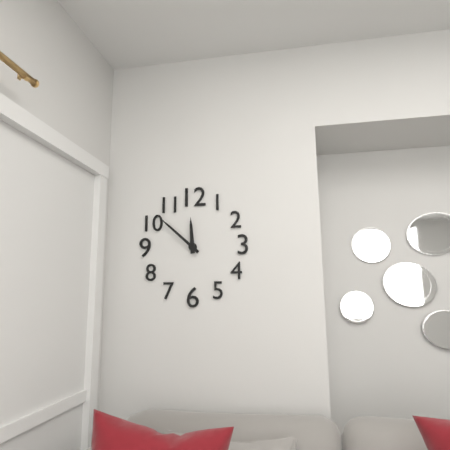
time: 11:52
